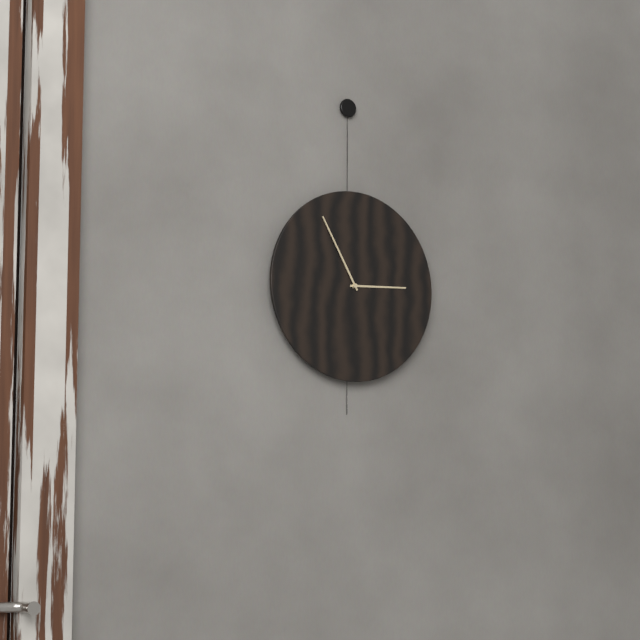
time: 2:55
